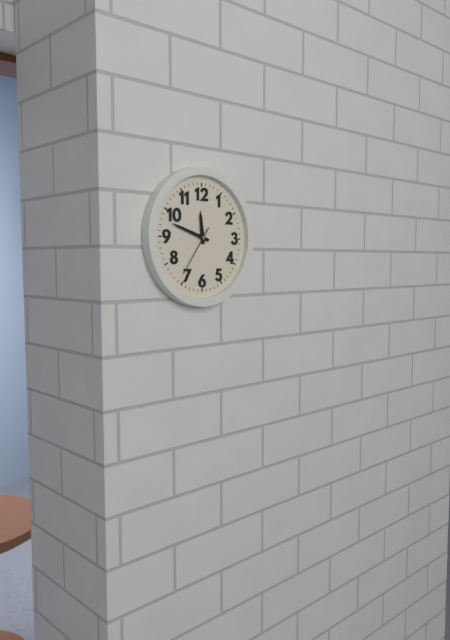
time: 11:48:36
